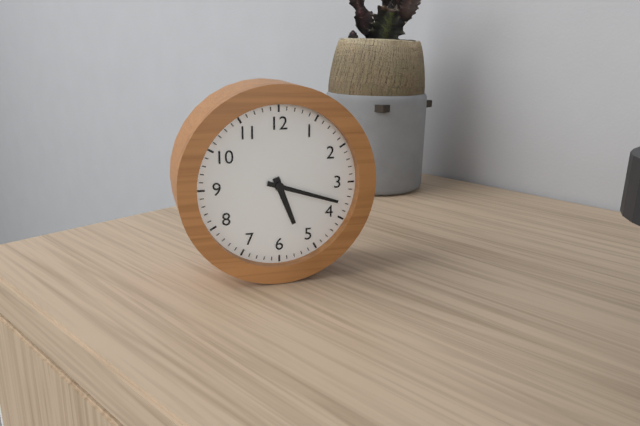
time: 5:18
